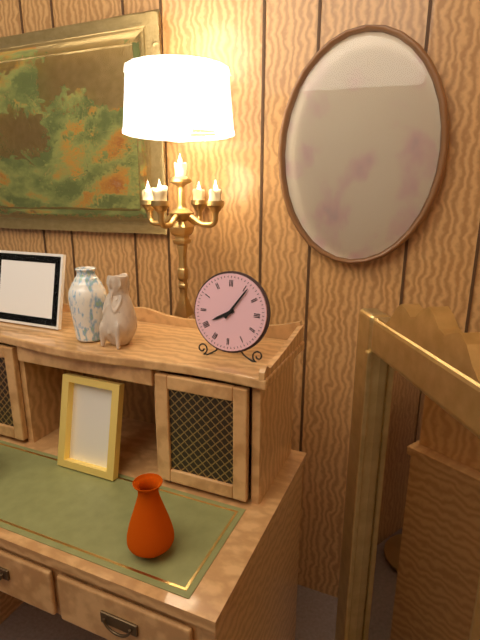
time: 8:06
